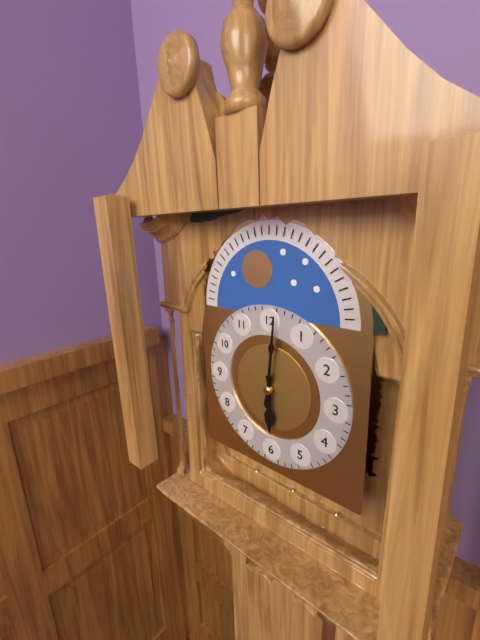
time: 6:01
